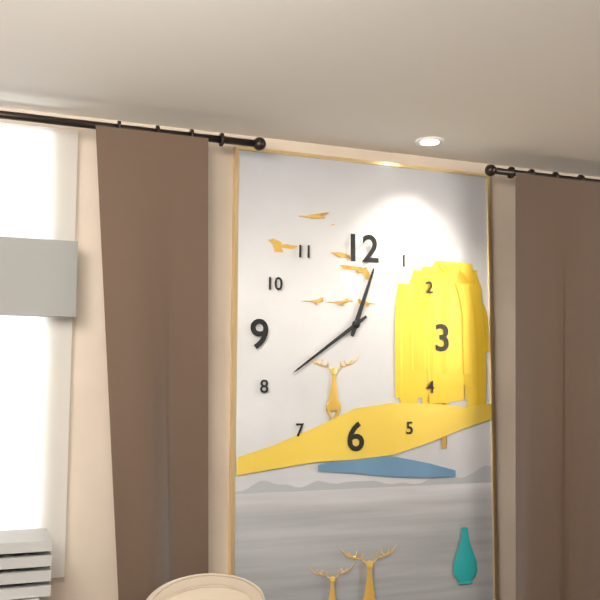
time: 12:39
